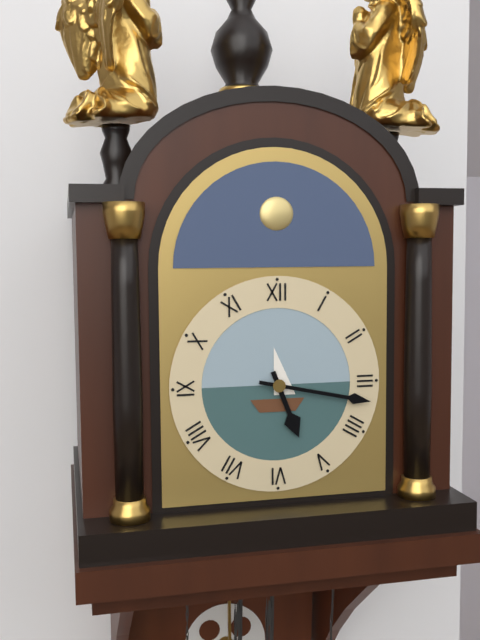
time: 5:17
